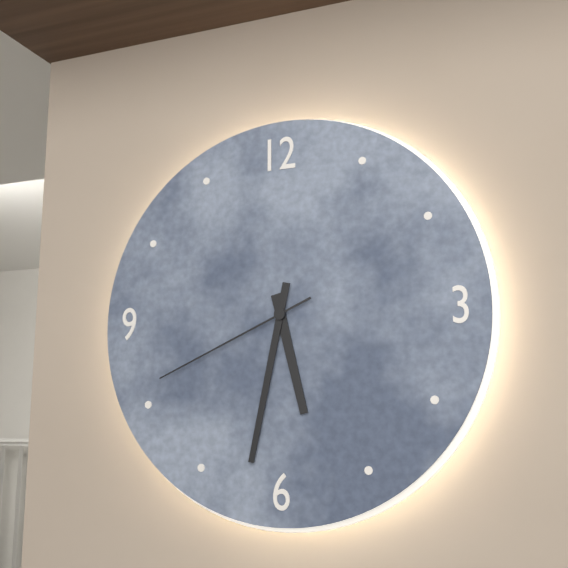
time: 5:32:41
